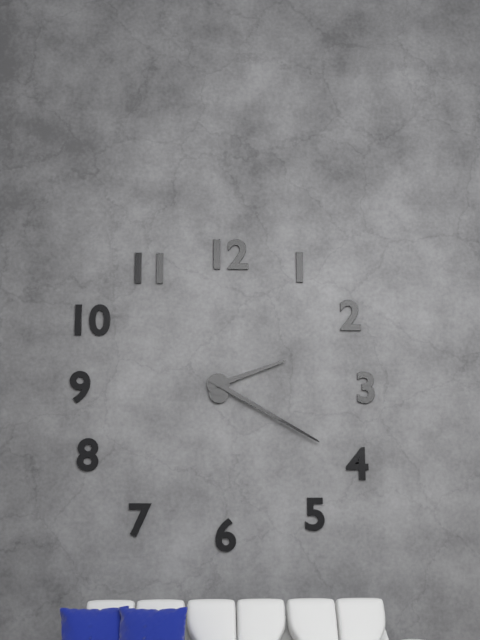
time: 2:20
